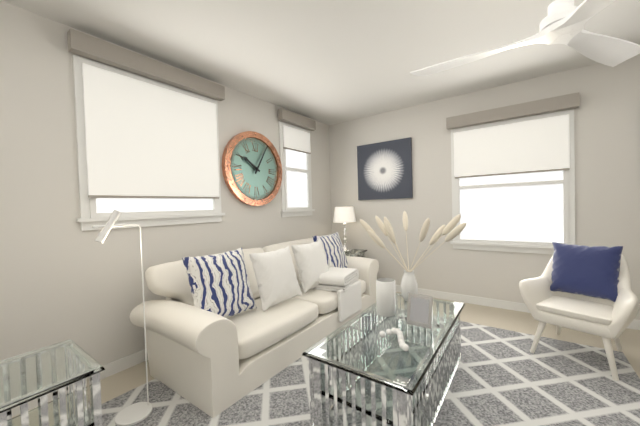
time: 10:05
